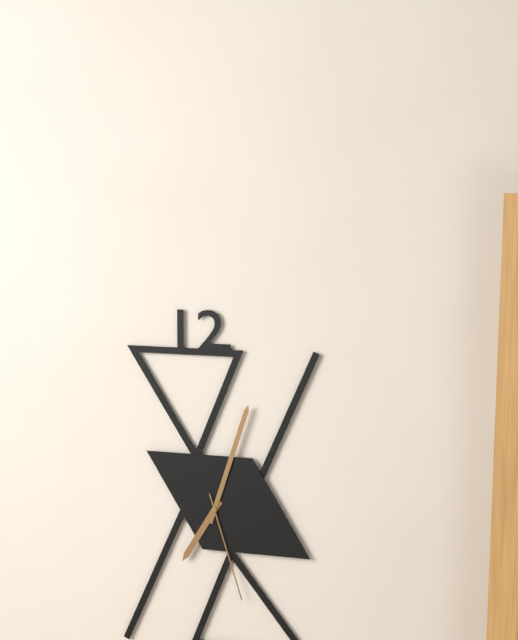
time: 7:03:27
